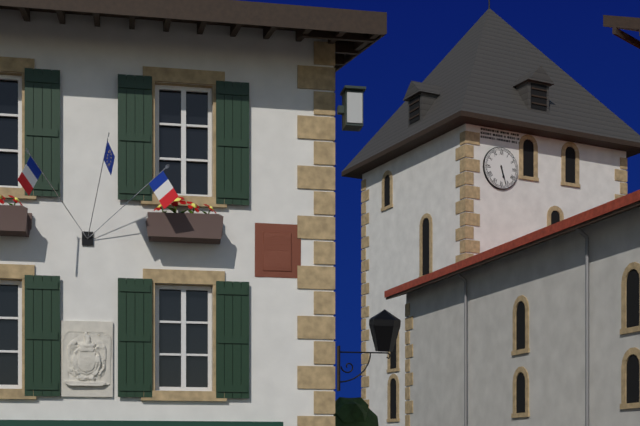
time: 5:27
